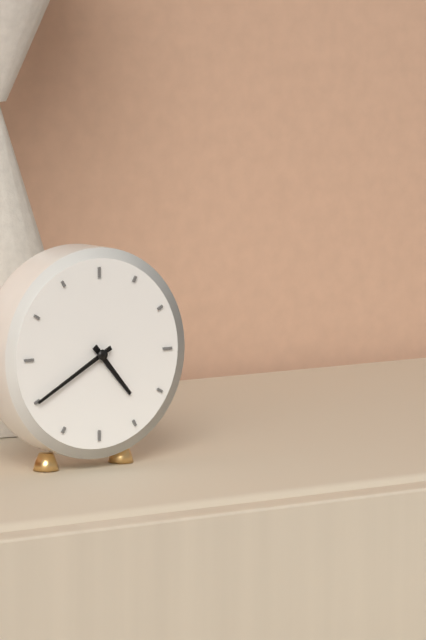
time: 4:40
